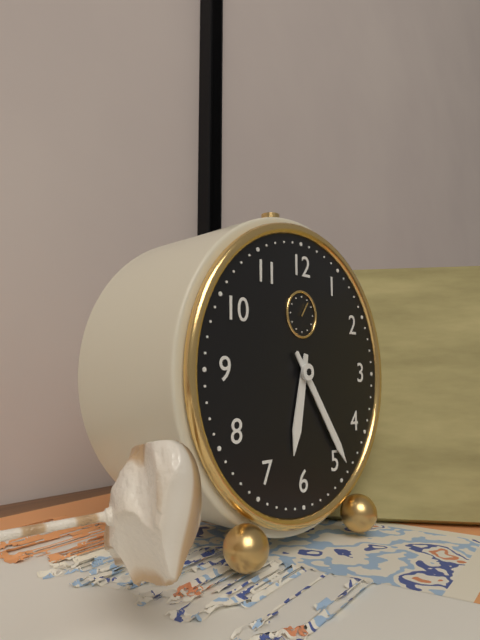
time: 6:24
